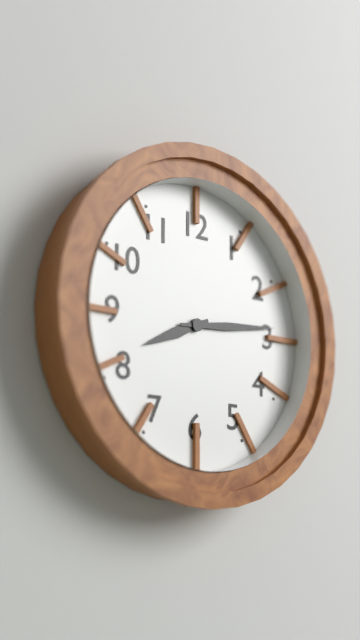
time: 8:14
